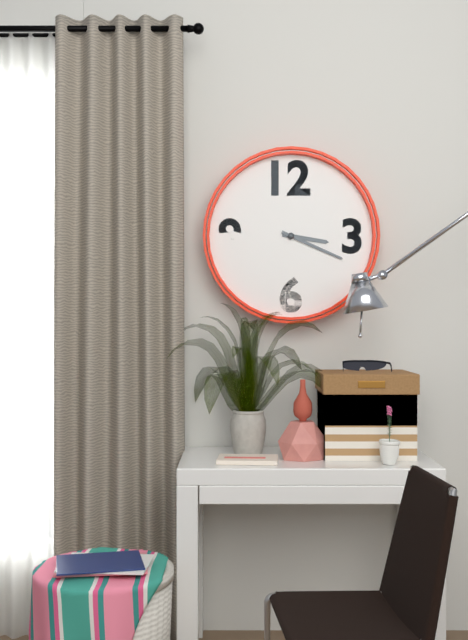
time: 3:19
